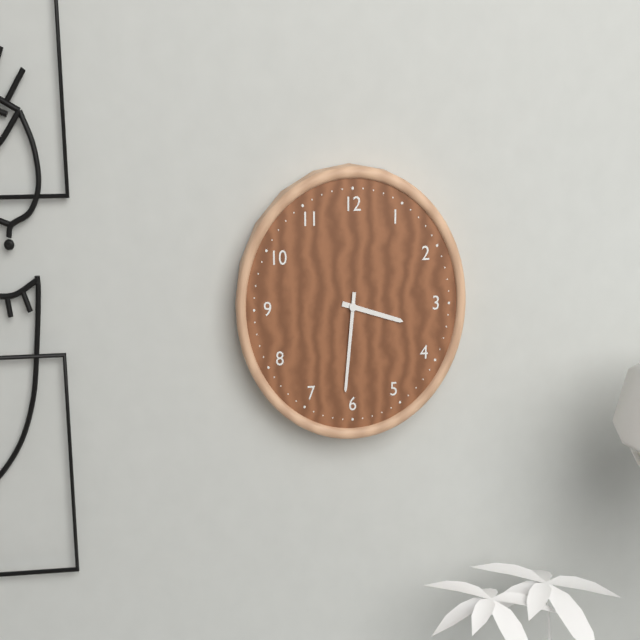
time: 3:31
